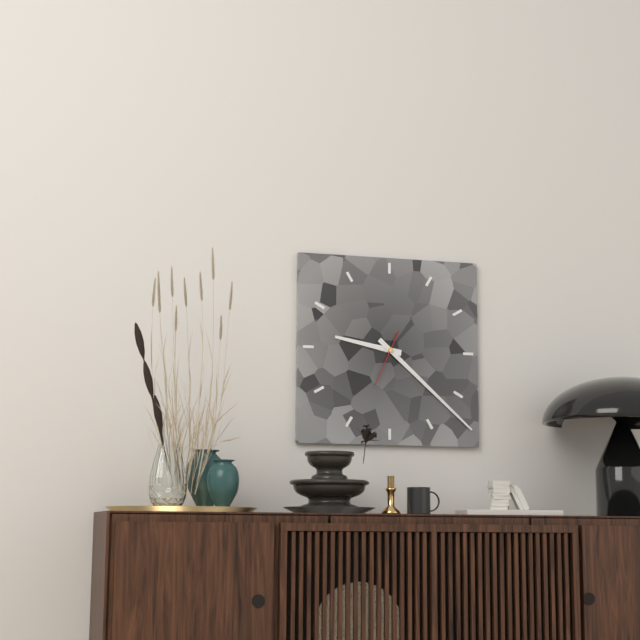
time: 9:22
